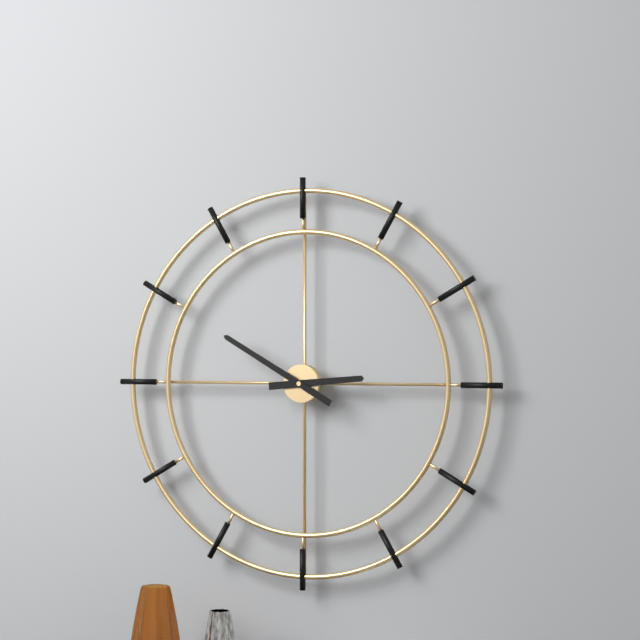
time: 2:50
